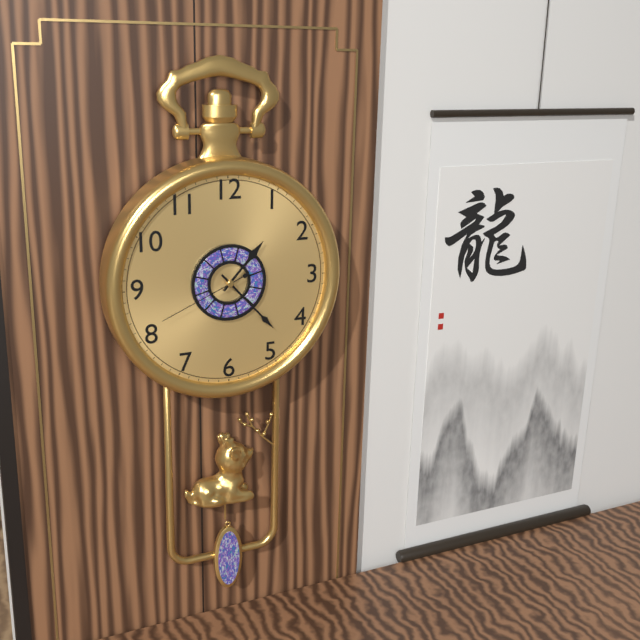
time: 1:23:41
